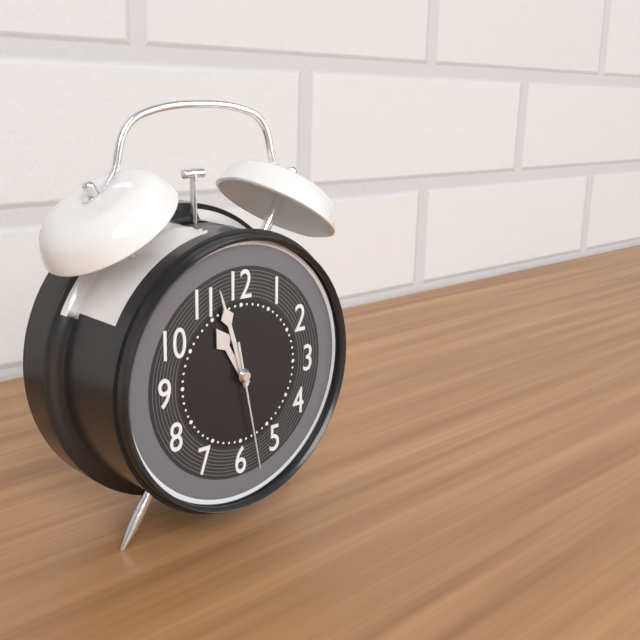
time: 10:57:28
